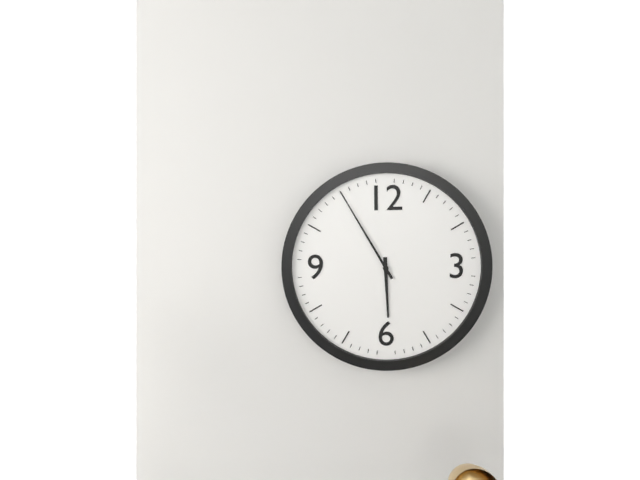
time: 5:55
